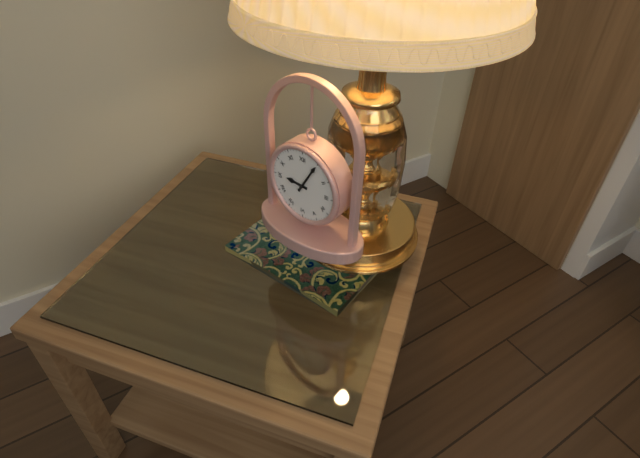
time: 9:05
